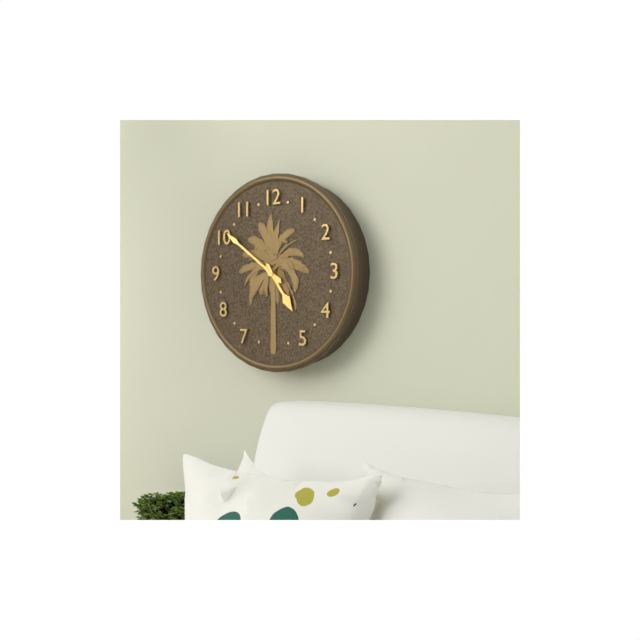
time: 4:51
